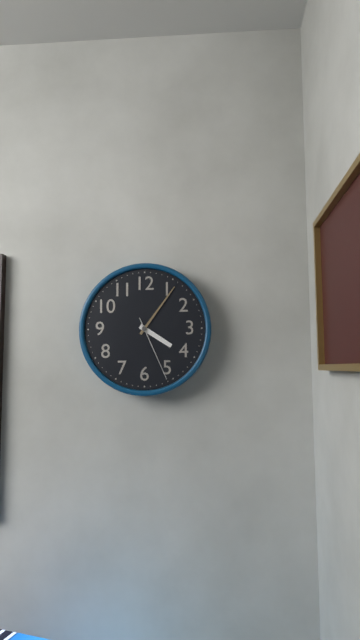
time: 4:06:26
